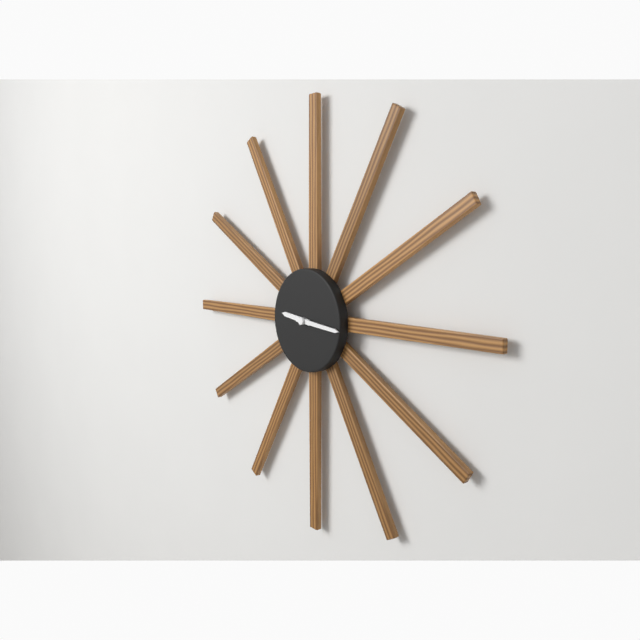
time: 9:16
